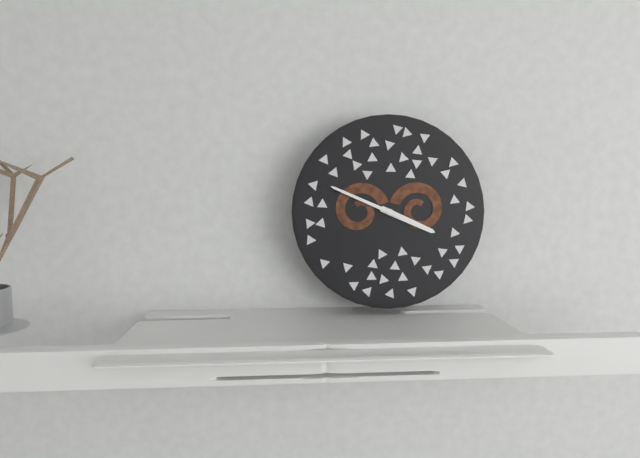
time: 3:49
